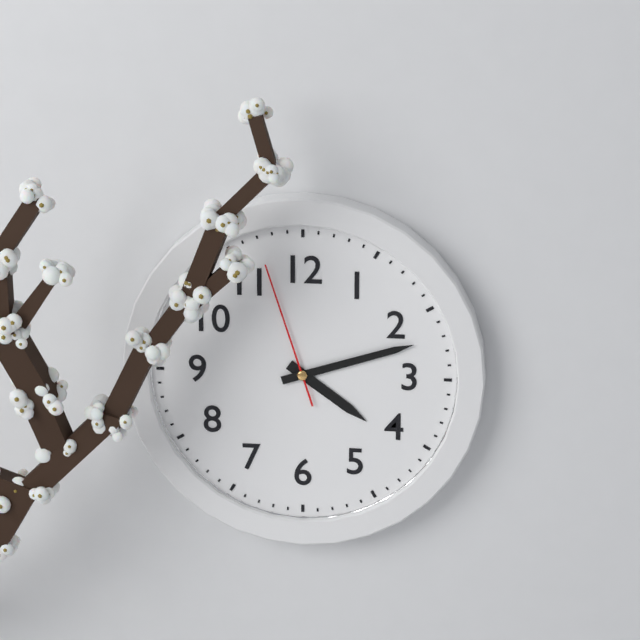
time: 4:12:57
